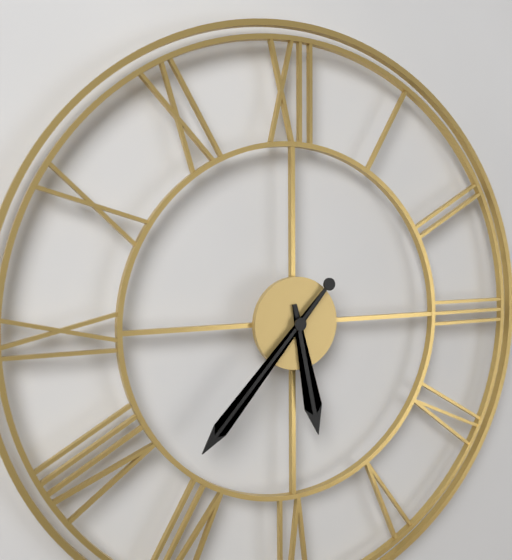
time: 5:37
